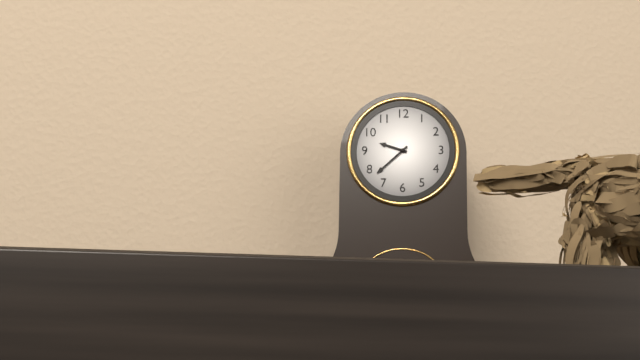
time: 9:38
